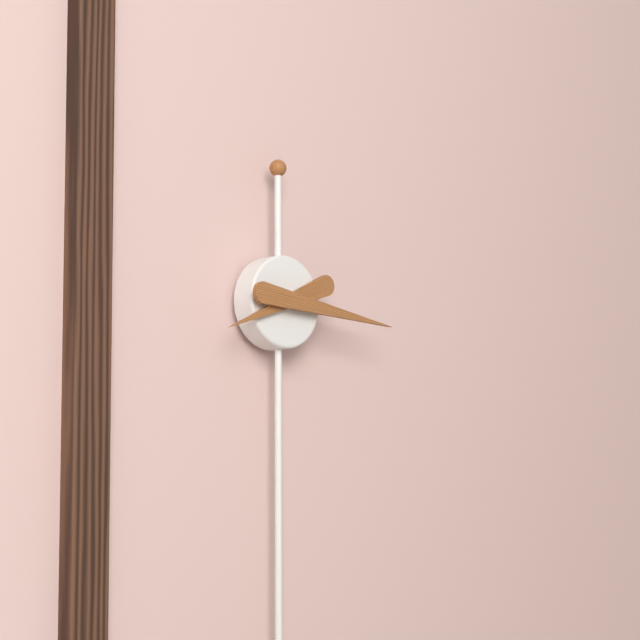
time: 8:16
